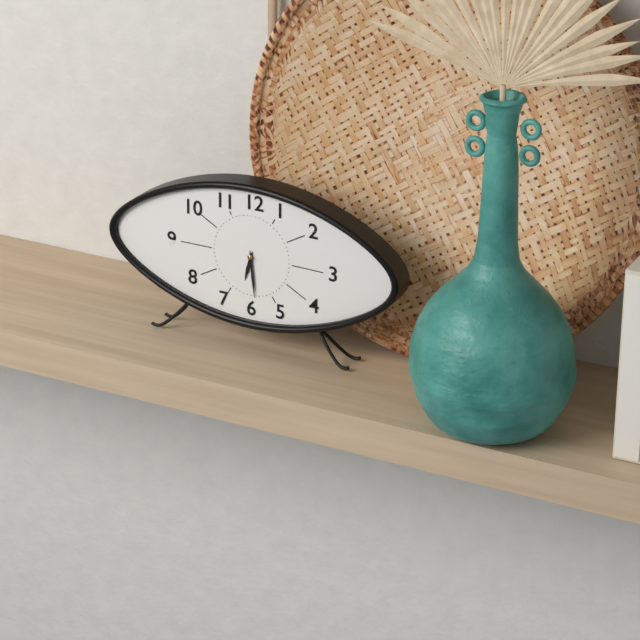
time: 6:29
